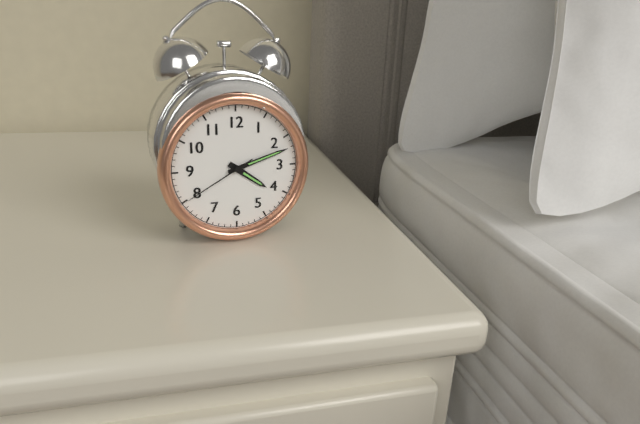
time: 4:12:40
